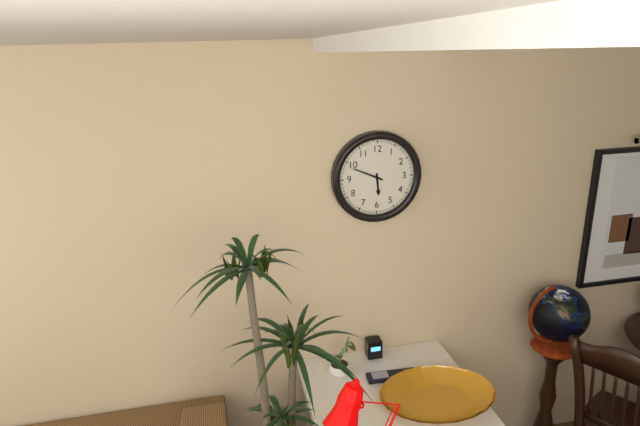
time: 5:49
